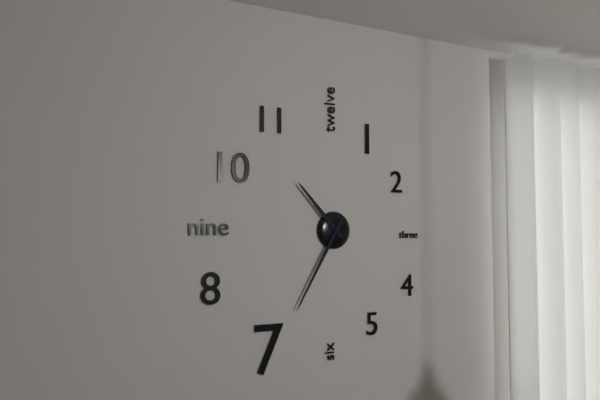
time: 10:35
